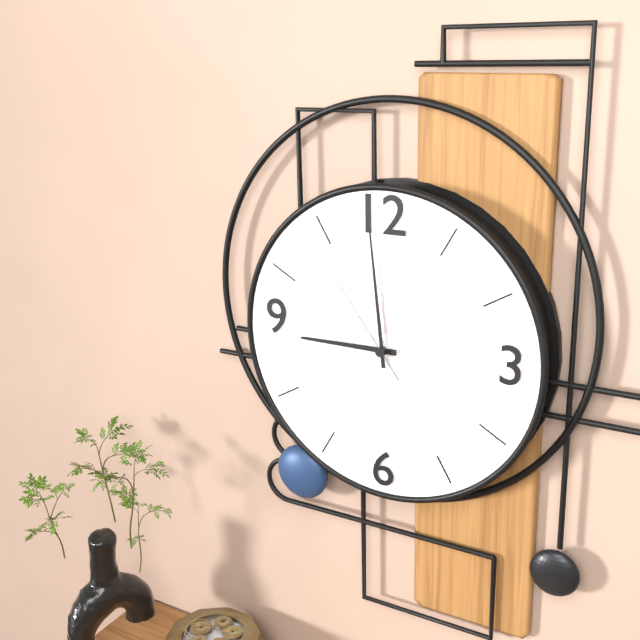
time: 8:59:54
